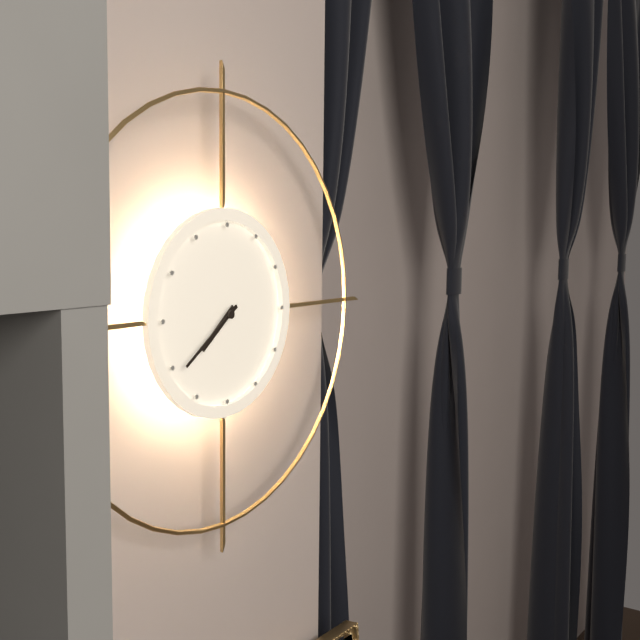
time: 7:39
